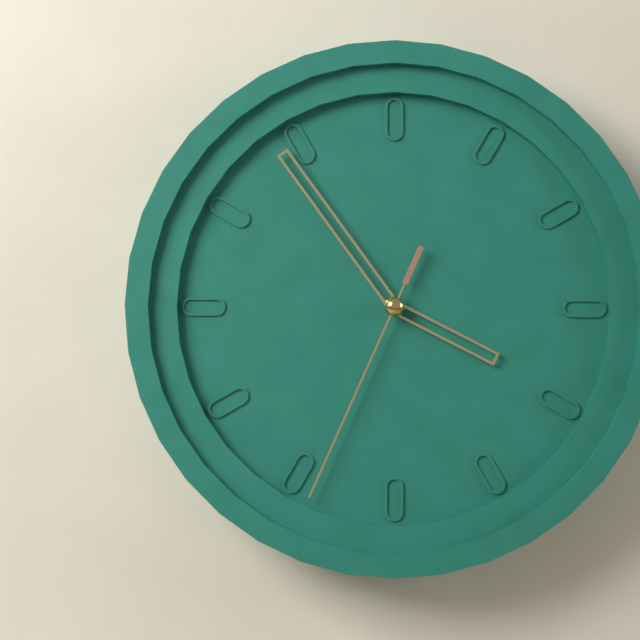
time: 3:54:34
